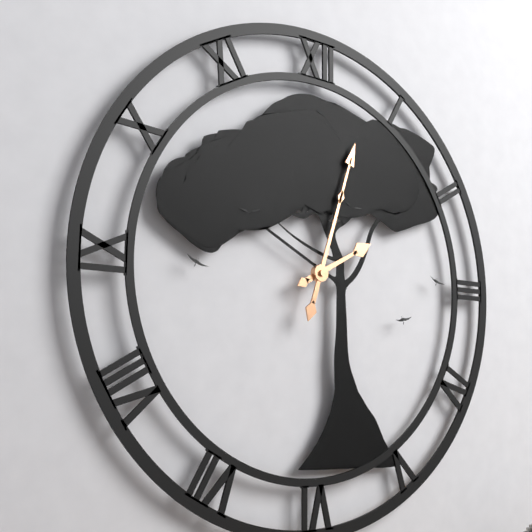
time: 2:03
